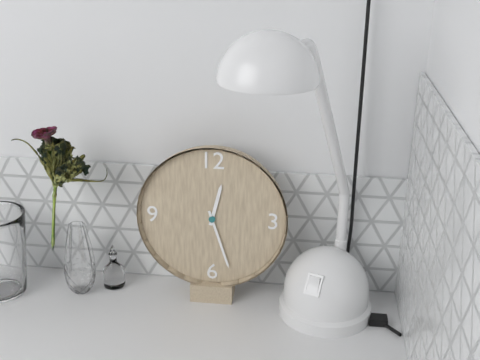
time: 12:27
